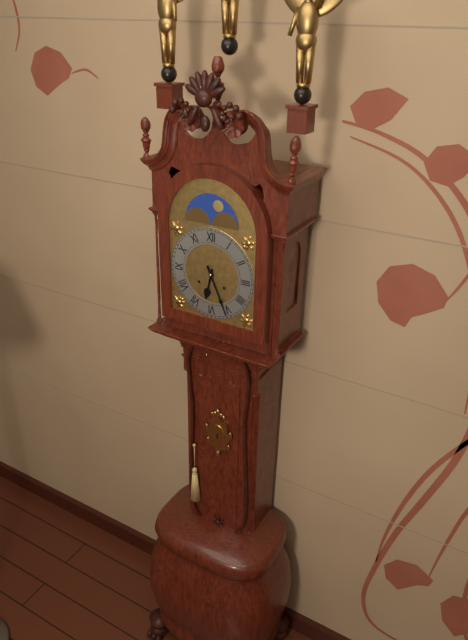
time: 6:26
